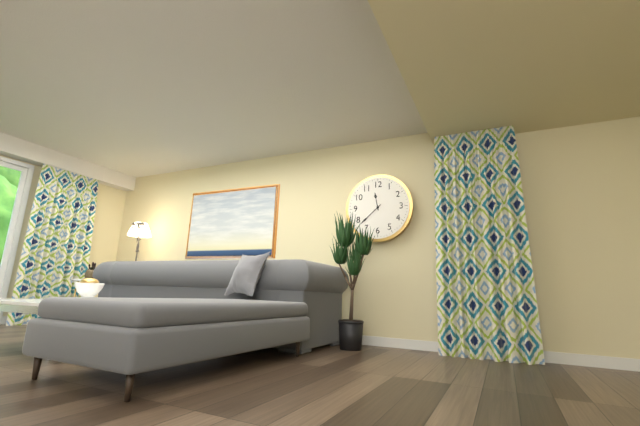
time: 11:38
